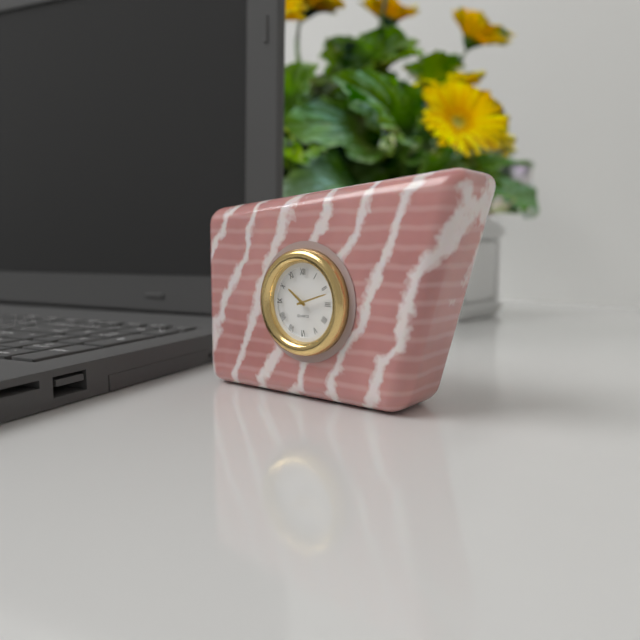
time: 10:12
